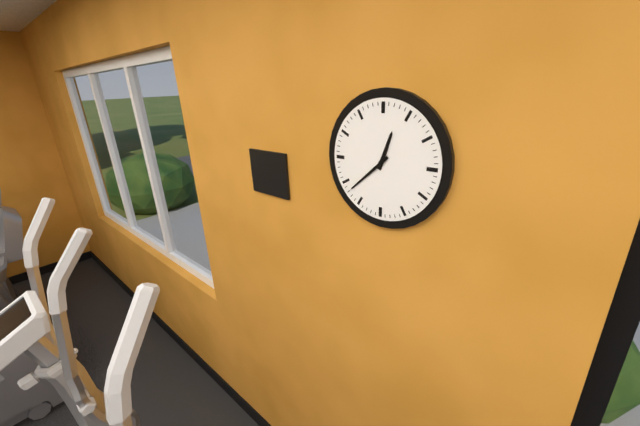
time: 12:38
